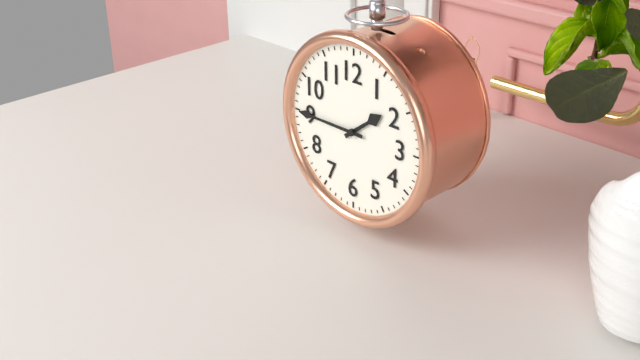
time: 1:45
